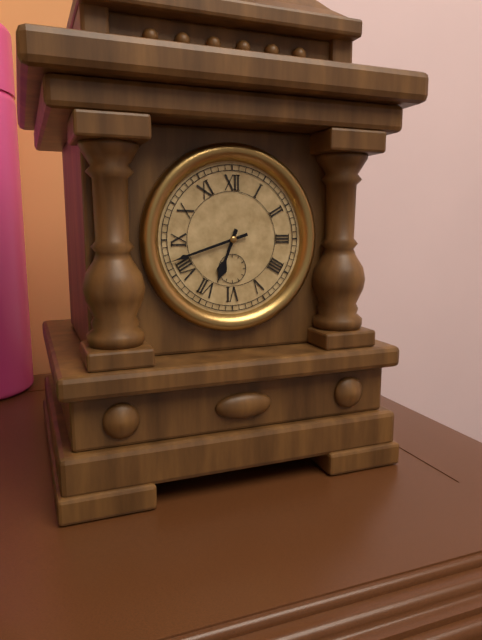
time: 6:42
